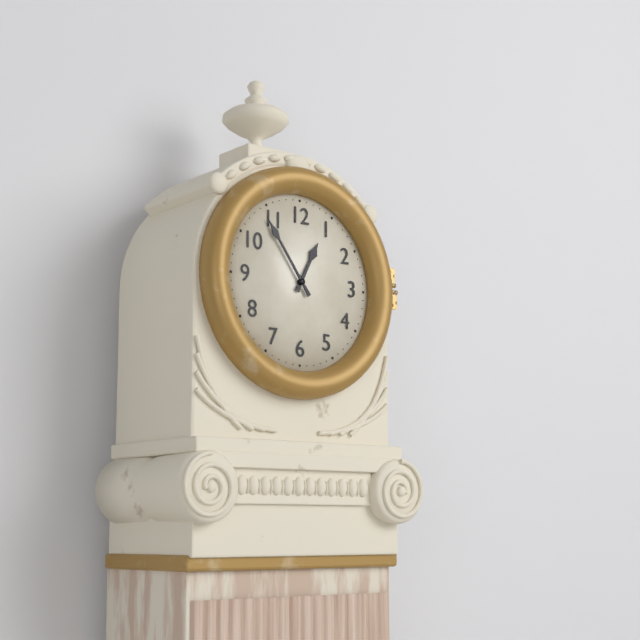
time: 12:54
